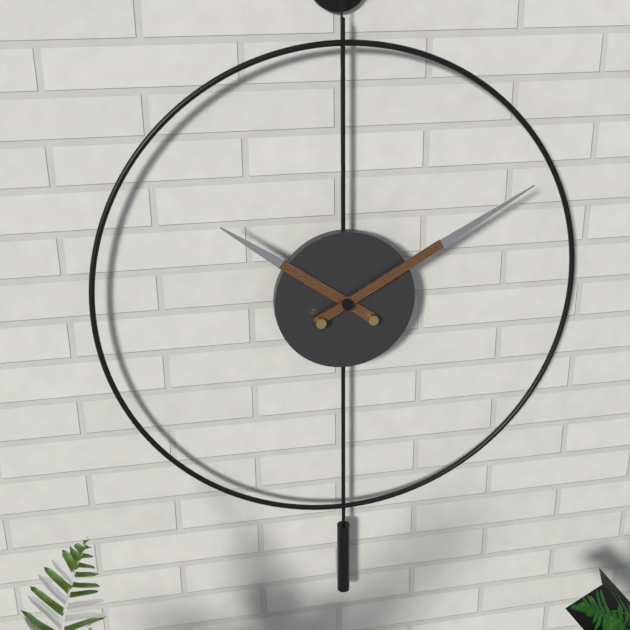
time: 10:10
